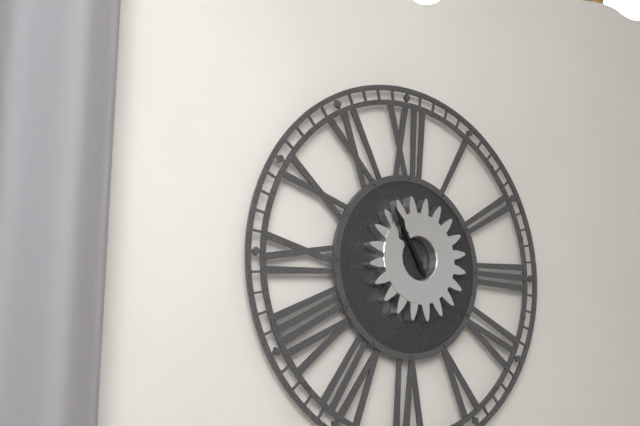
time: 10:55
